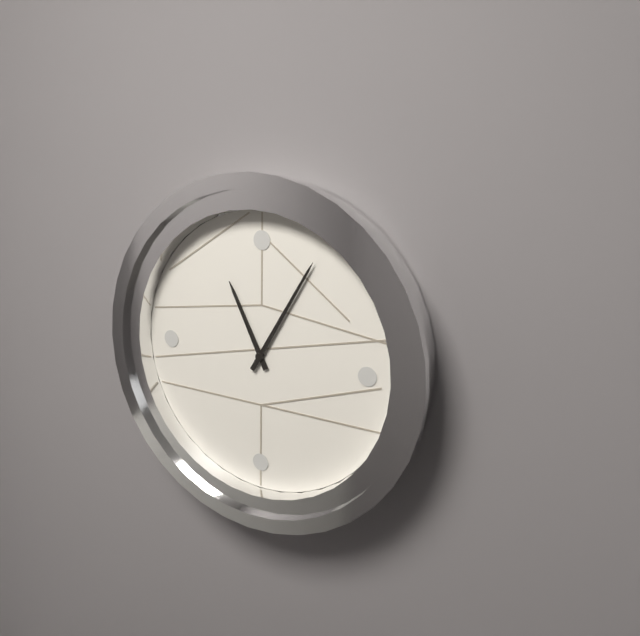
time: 11:05
